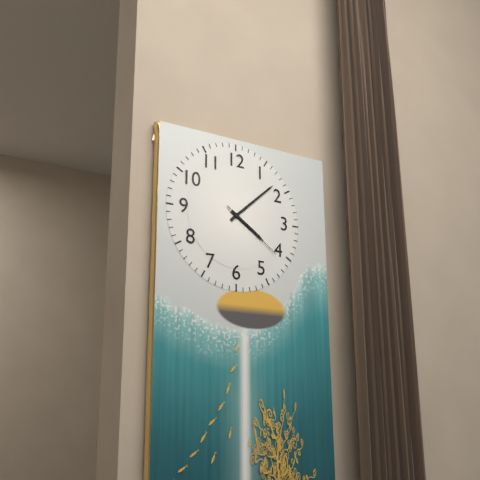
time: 4:08:21
